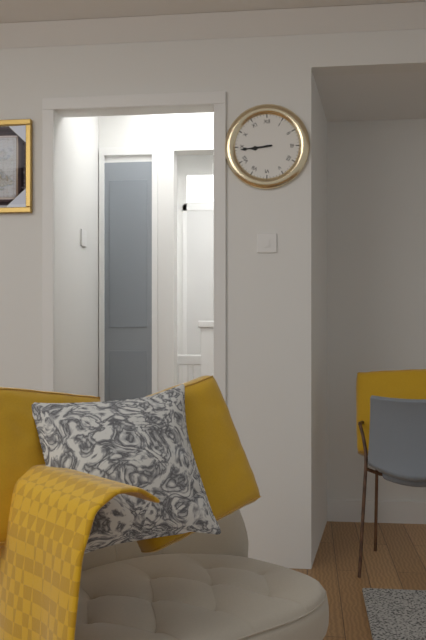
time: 8:44
